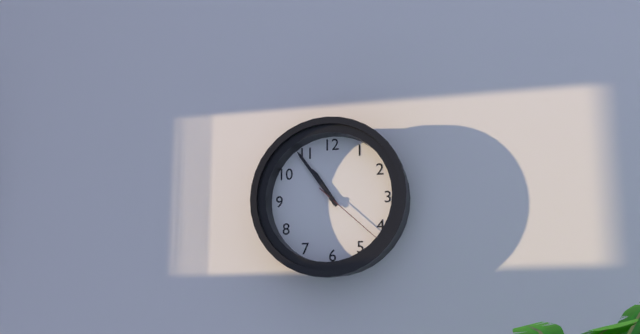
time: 10:54:22
